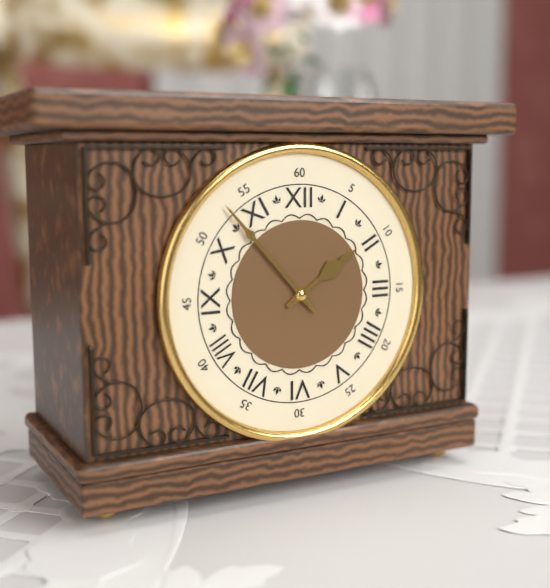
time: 1:53
